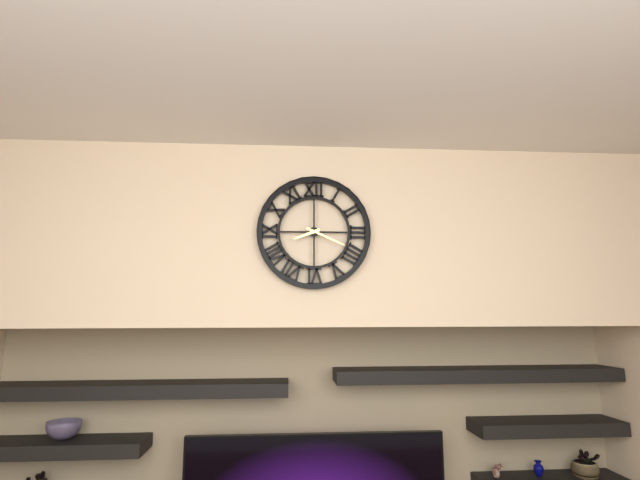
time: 8:19
